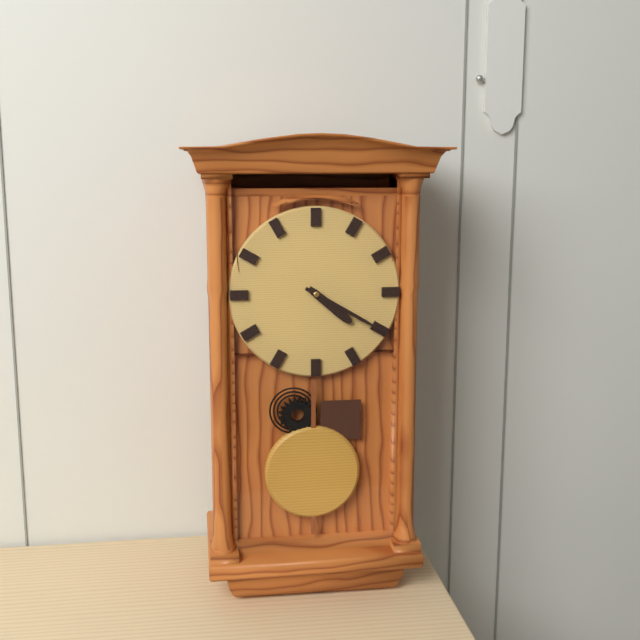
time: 4:20
